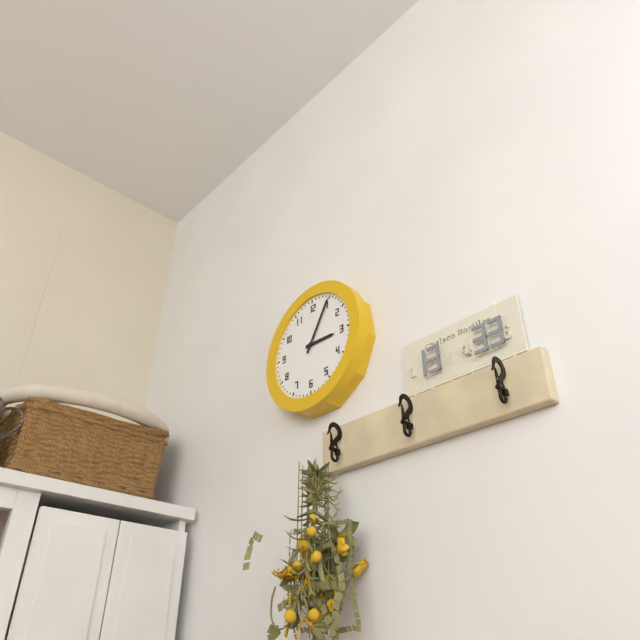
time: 3:05
